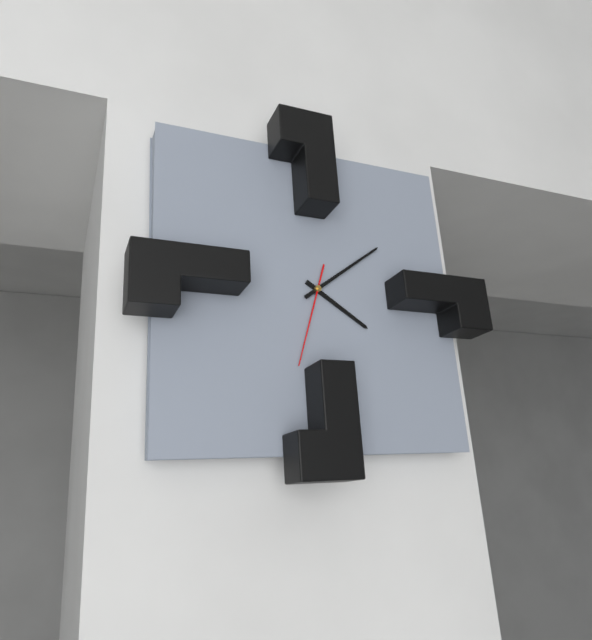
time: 4:09:33
